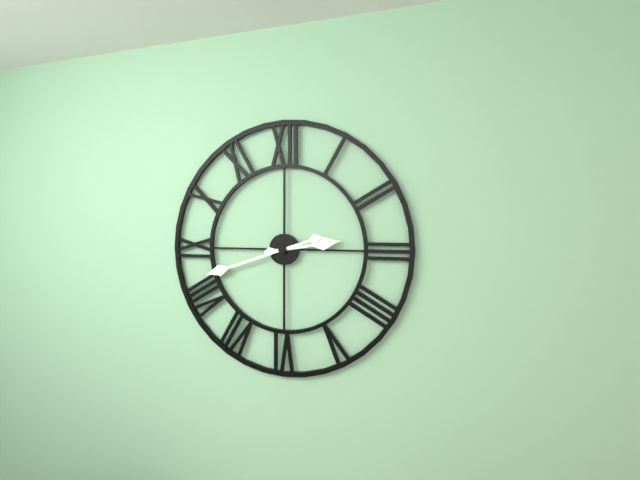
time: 2:42
